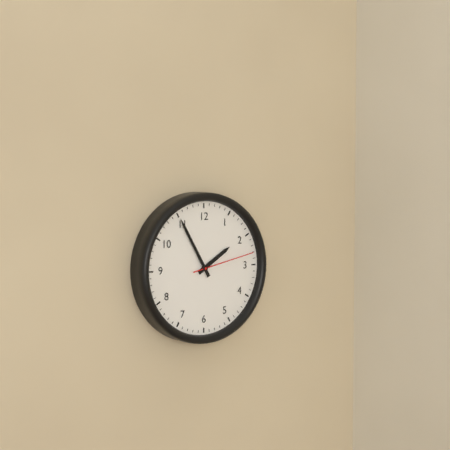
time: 1:55:13
